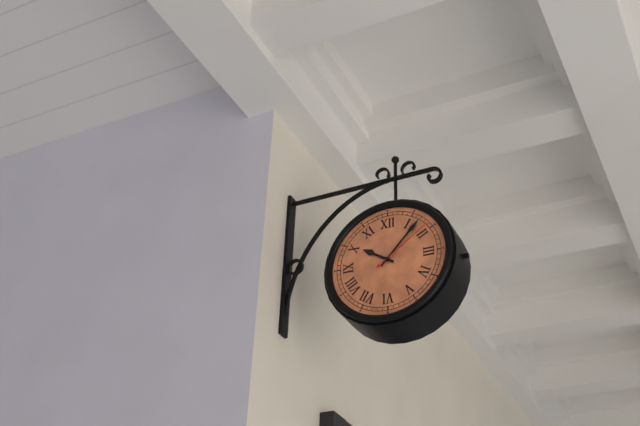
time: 10:07:09
